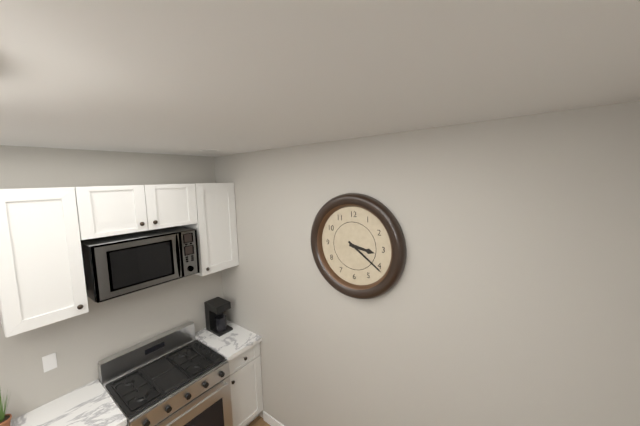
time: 3:21
